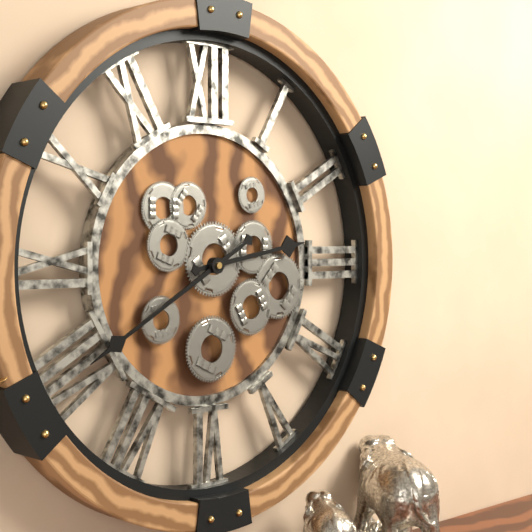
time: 2:40
